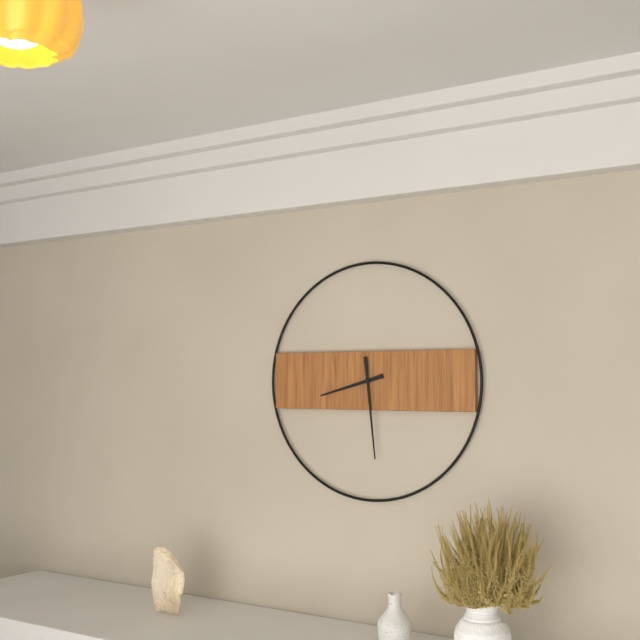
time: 8:29
